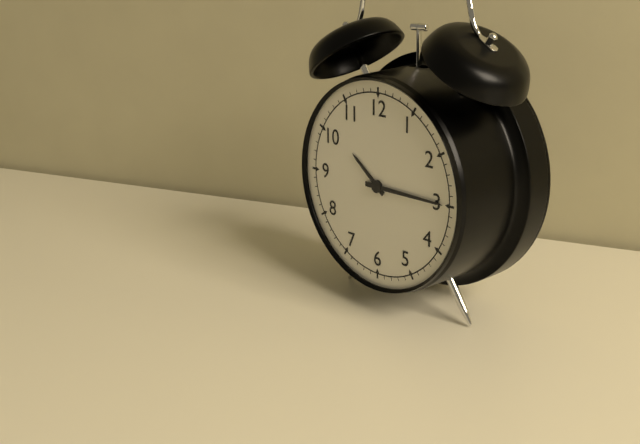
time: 10:15
